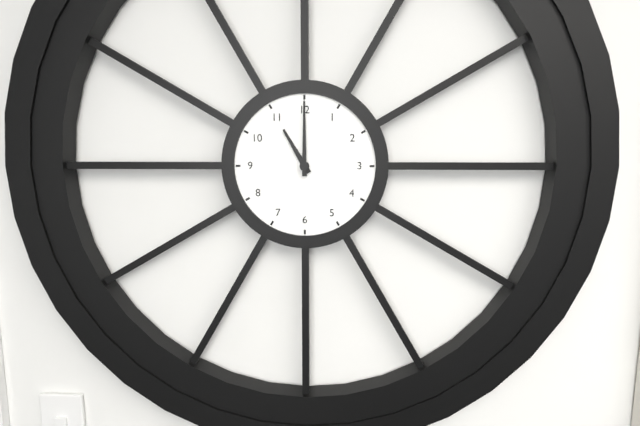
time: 11:00
